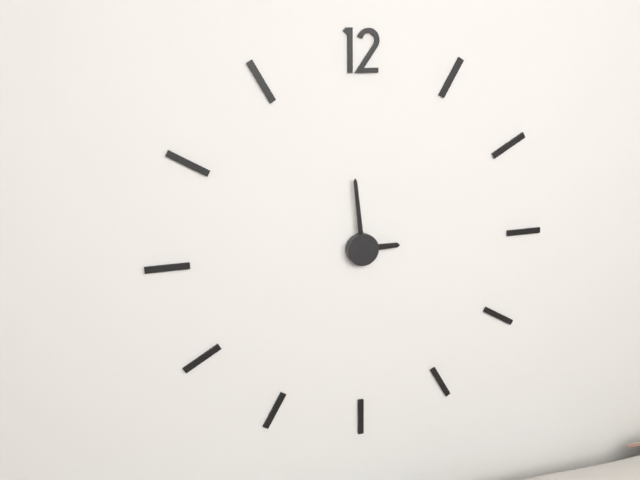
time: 2:59
